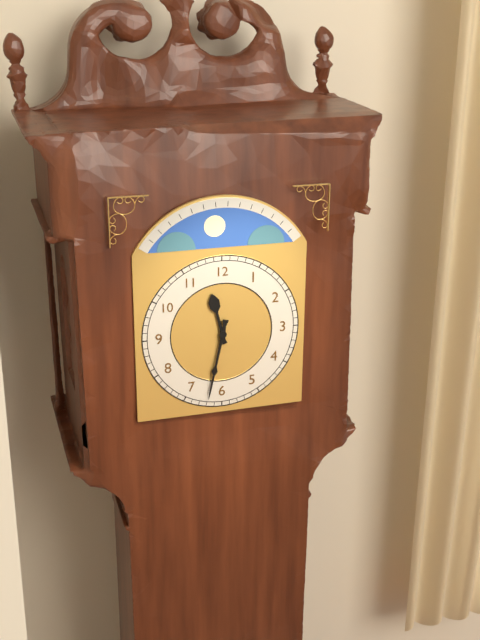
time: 11:32
